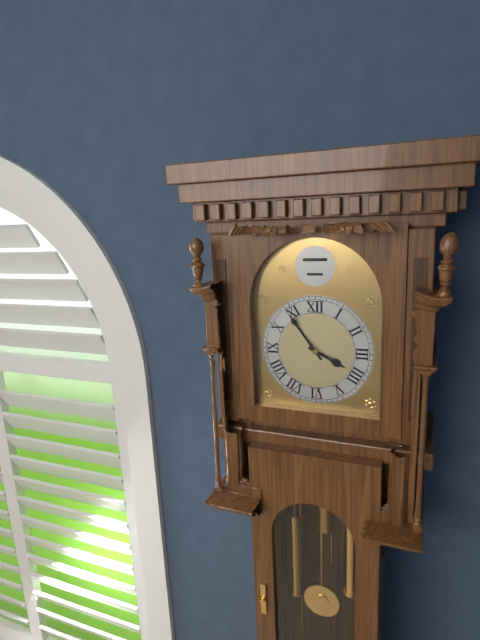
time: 3:54
